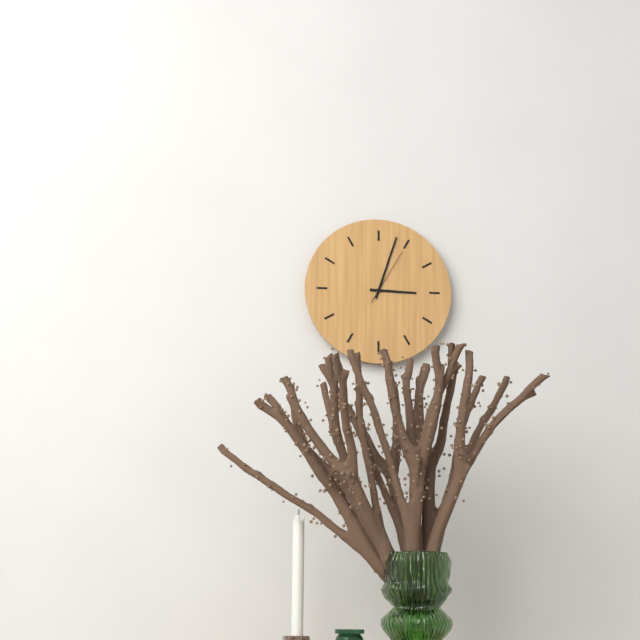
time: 3:03:05
